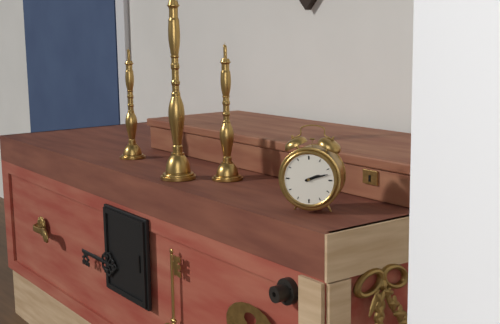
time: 2:12
